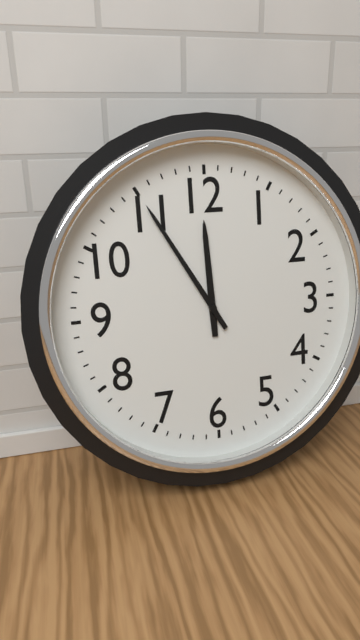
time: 11:55
